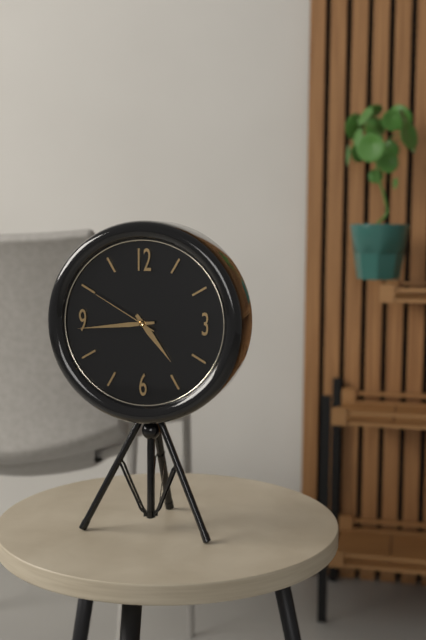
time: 4:44:50
